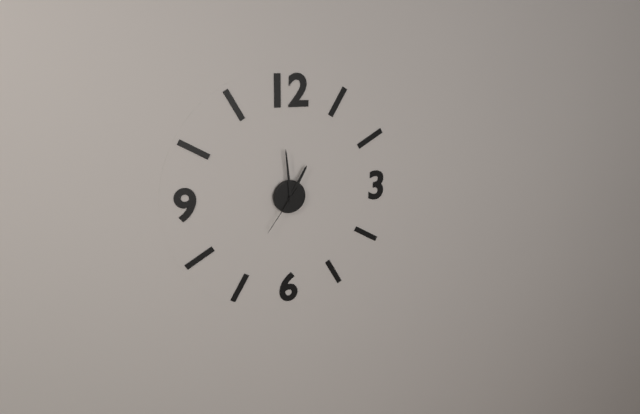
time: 12:59:36
